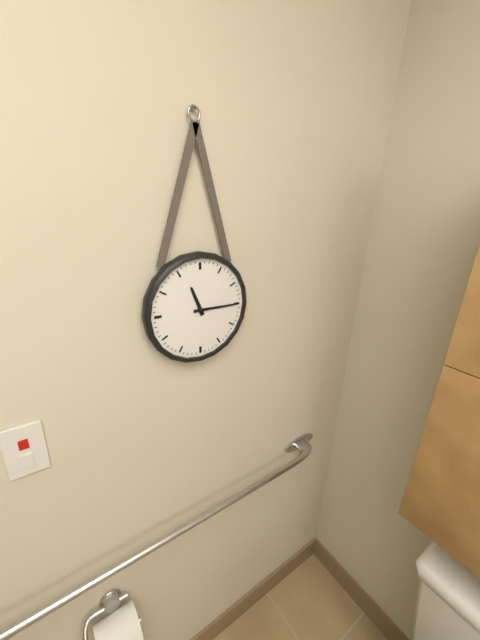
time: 11:15
